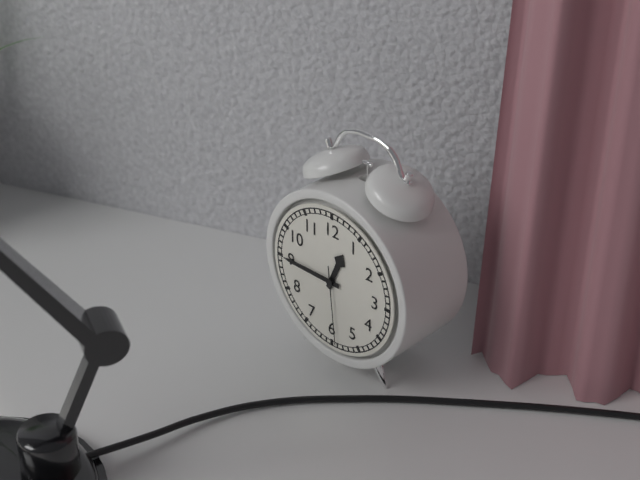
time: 12:45:29
